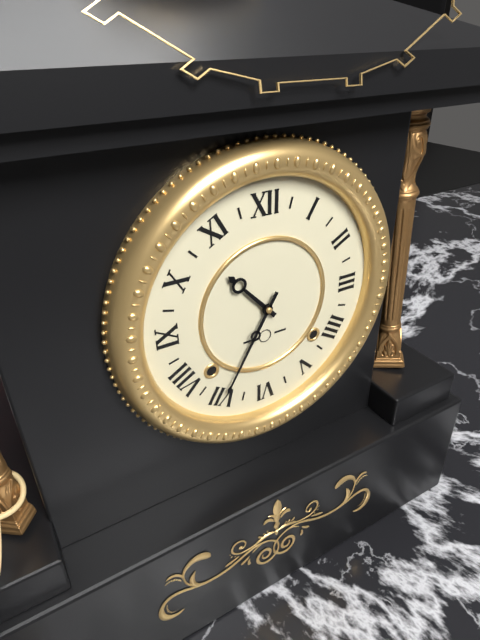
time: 10:35
